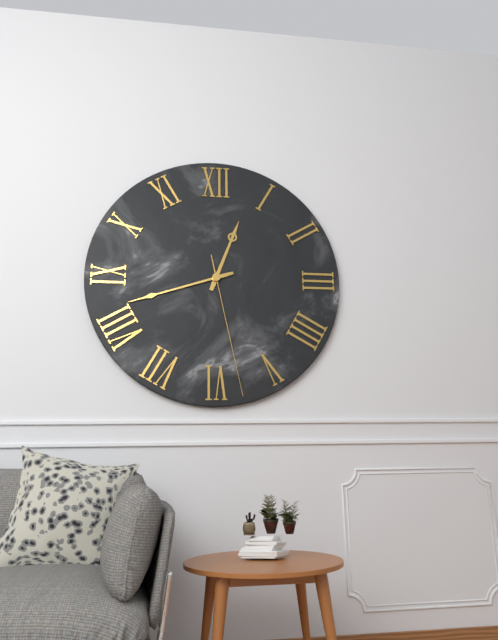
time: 12:42:28
